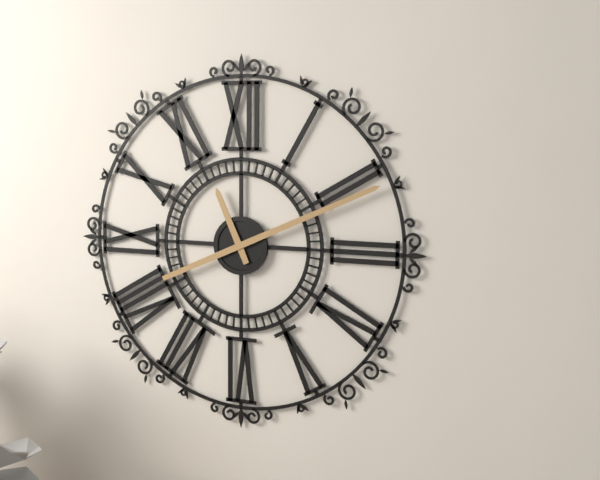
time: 11:11
